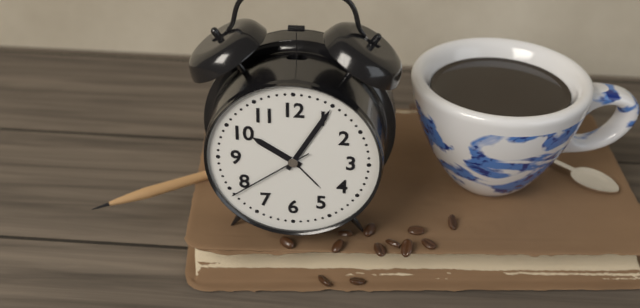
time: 10:05:39
